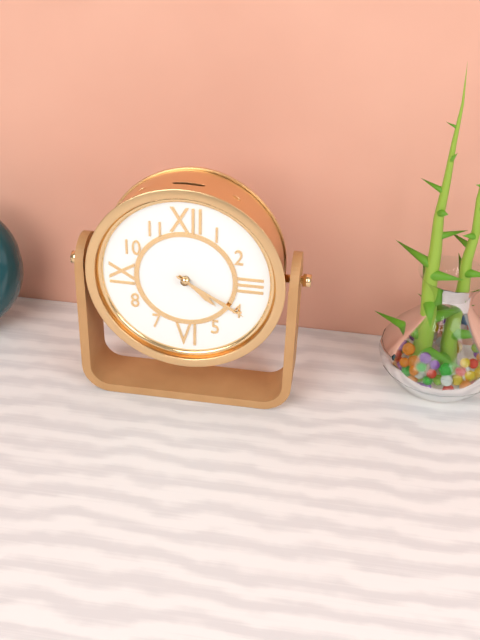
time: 4:20
